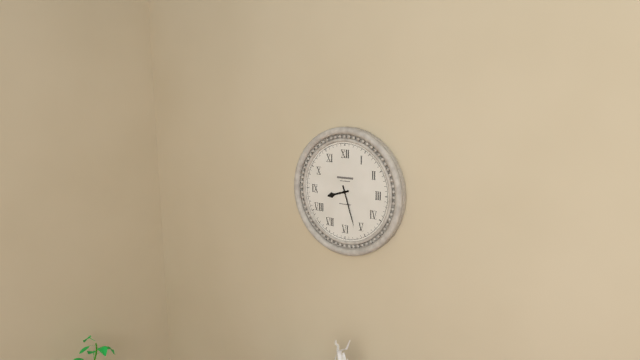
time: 8:27
